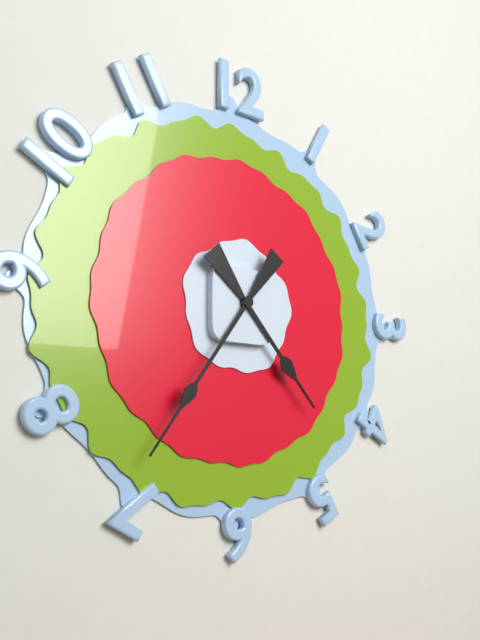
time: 4:36
